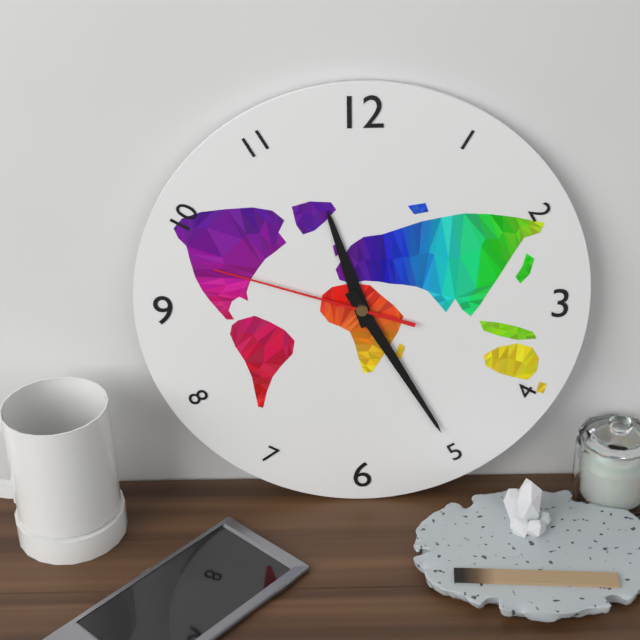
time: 11:25:48
